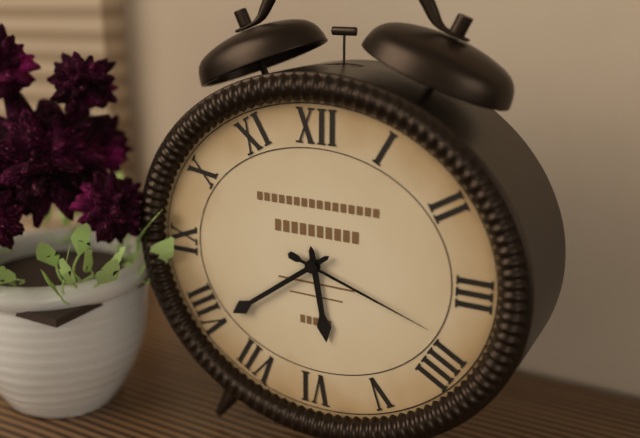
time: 5:39:18
